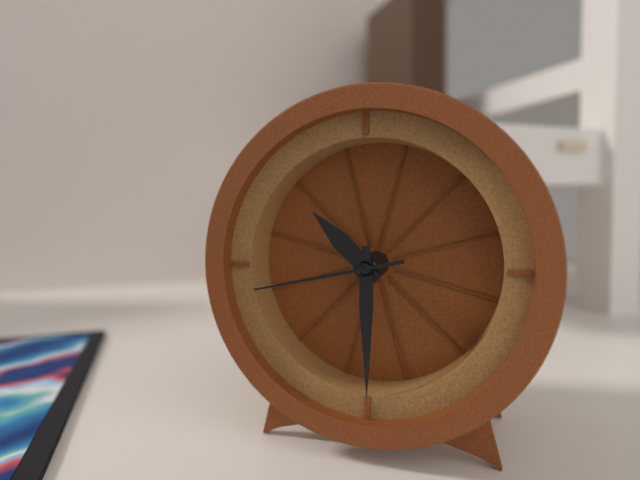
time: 10:30:43
